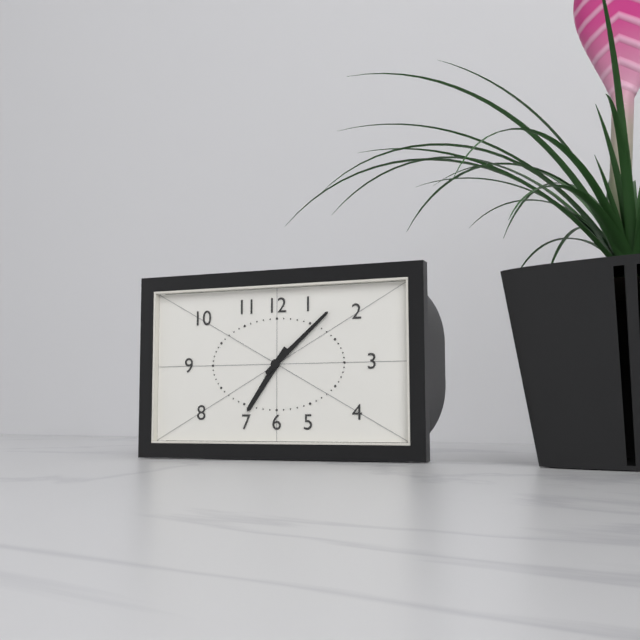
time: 7:08
